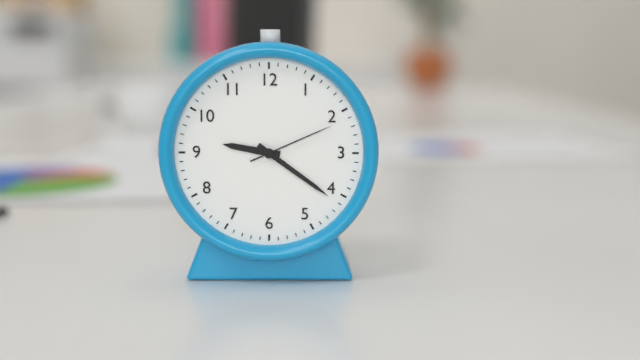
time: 9:21:11
